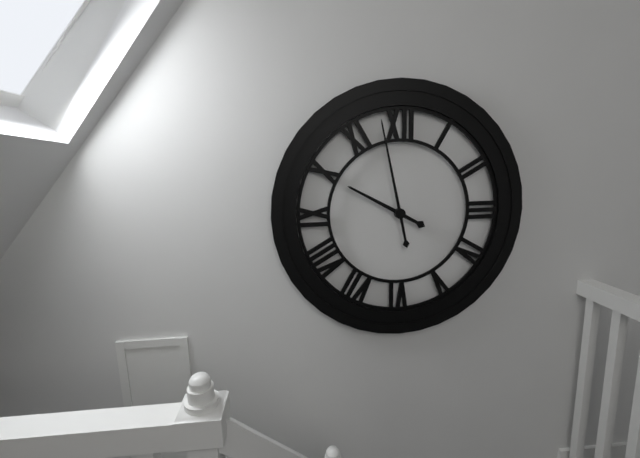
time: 9:58
